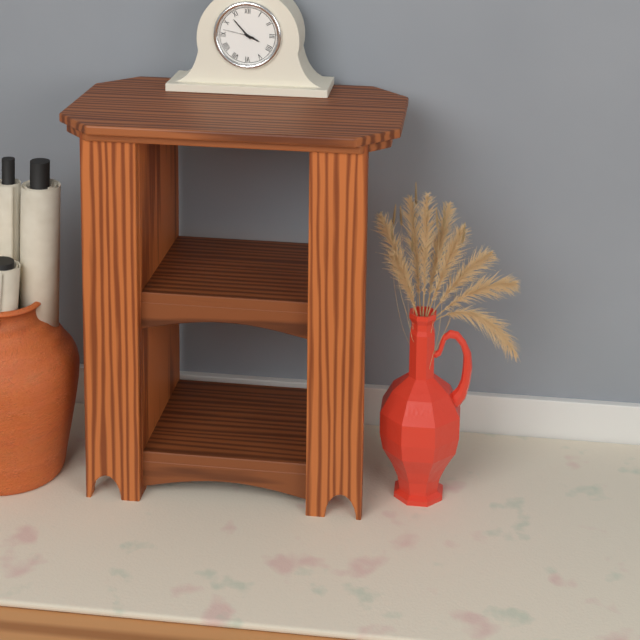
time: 3:53
